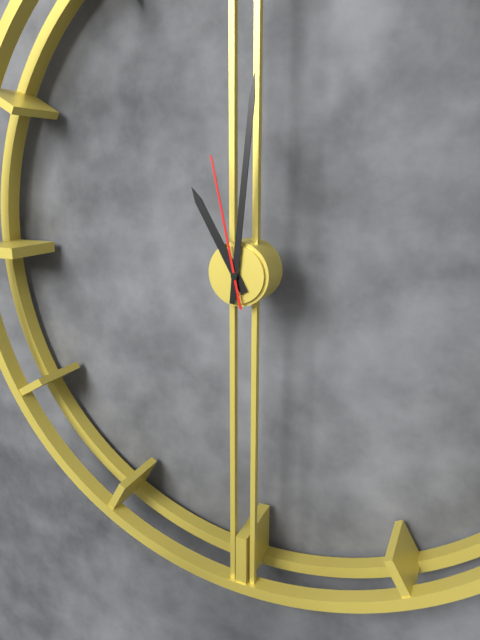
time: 11:01:58
